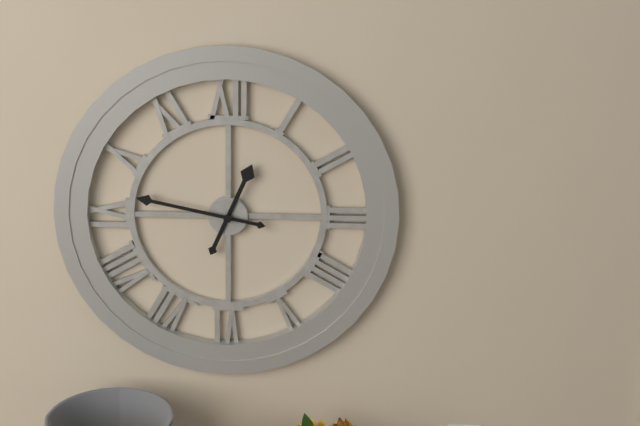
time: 12:47
